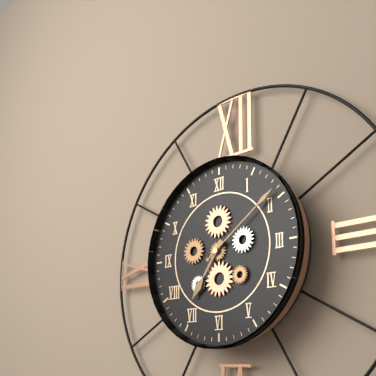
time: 7:09
